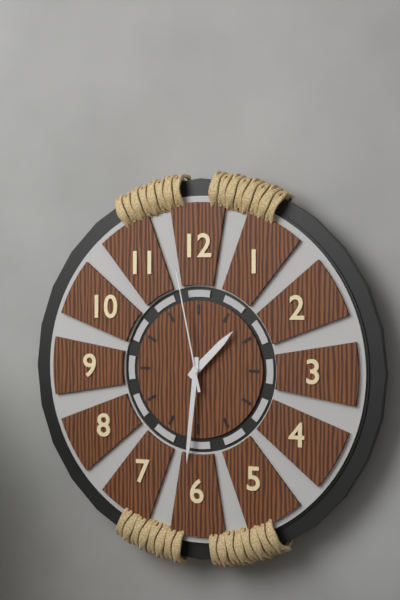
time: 1:31:58
